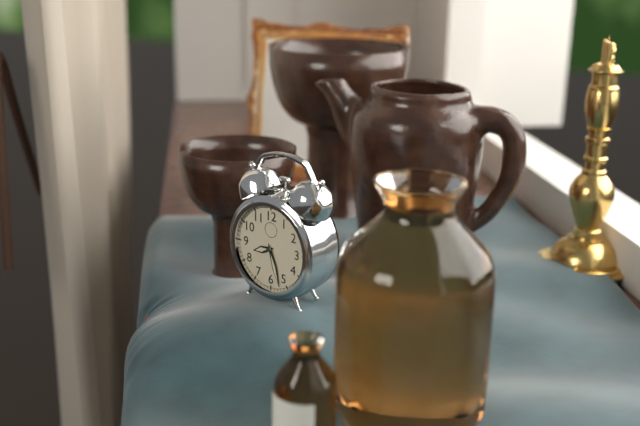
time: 8:27
